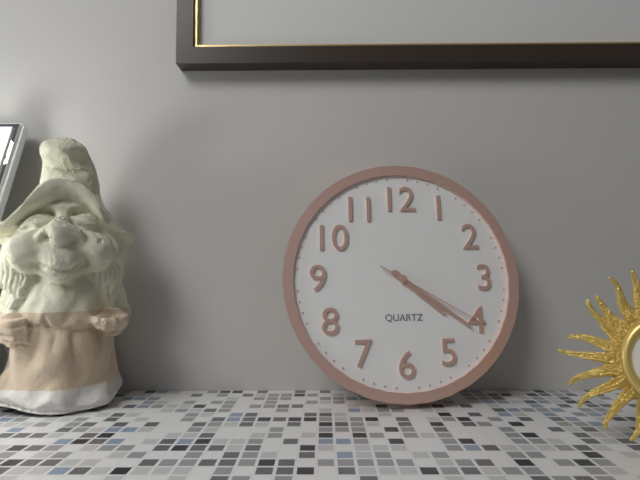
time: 4:21:20
